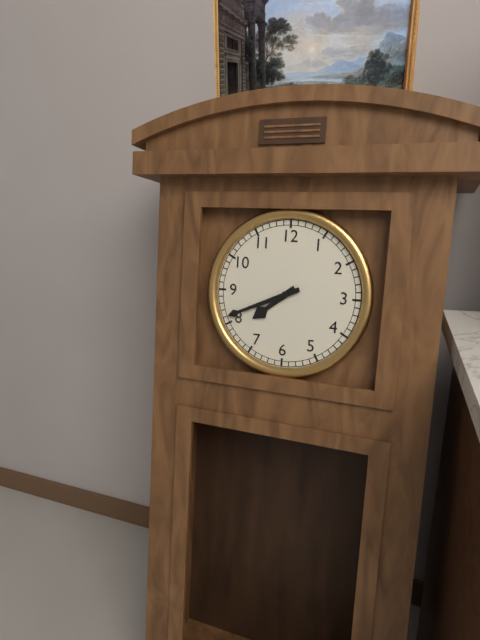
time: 7:41
